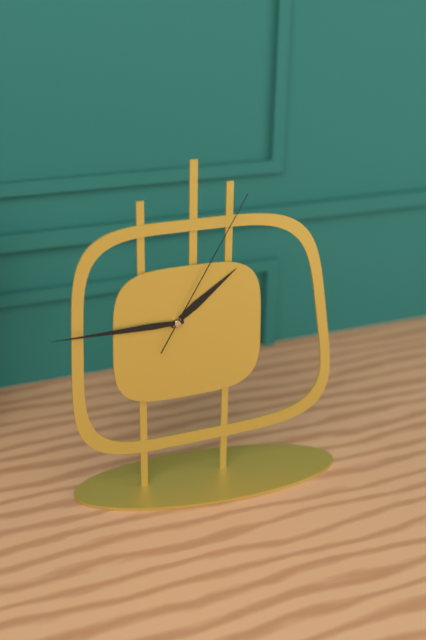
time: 1:45:05
